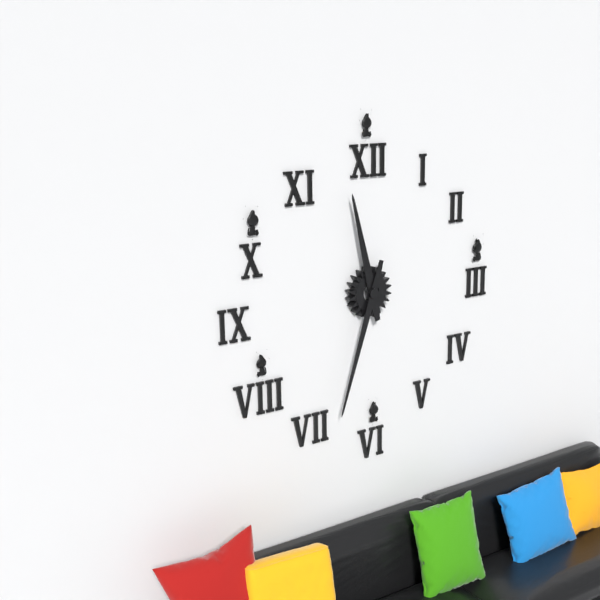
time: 11:33
